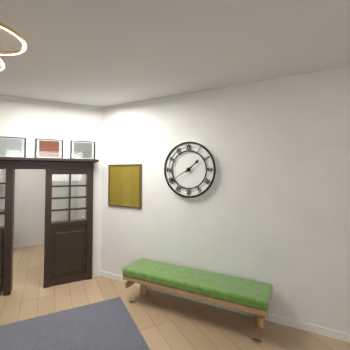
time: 1:40
